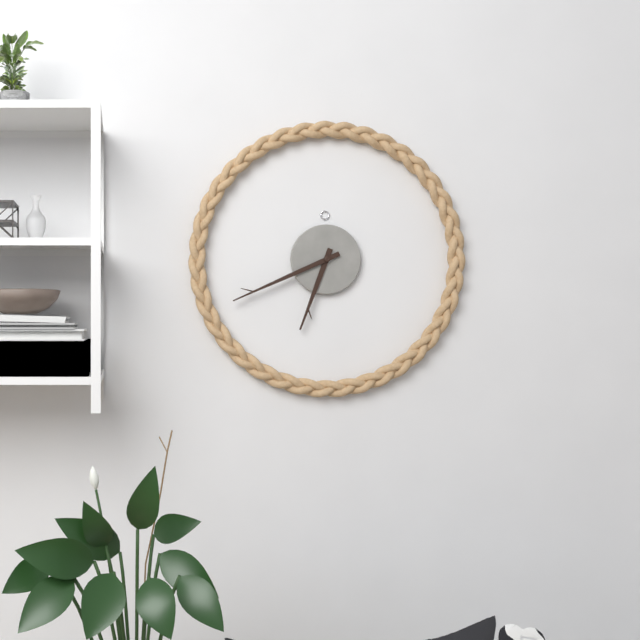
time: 6:41
